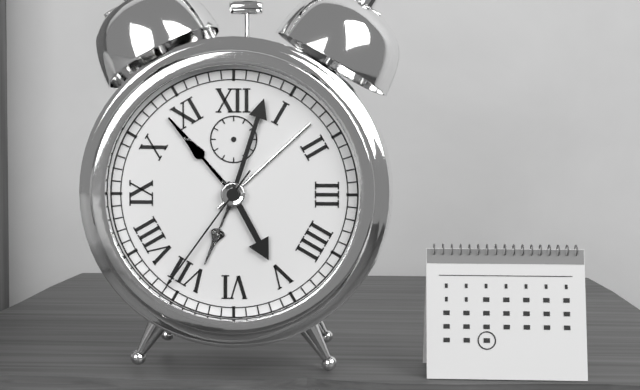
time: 5:03:36
